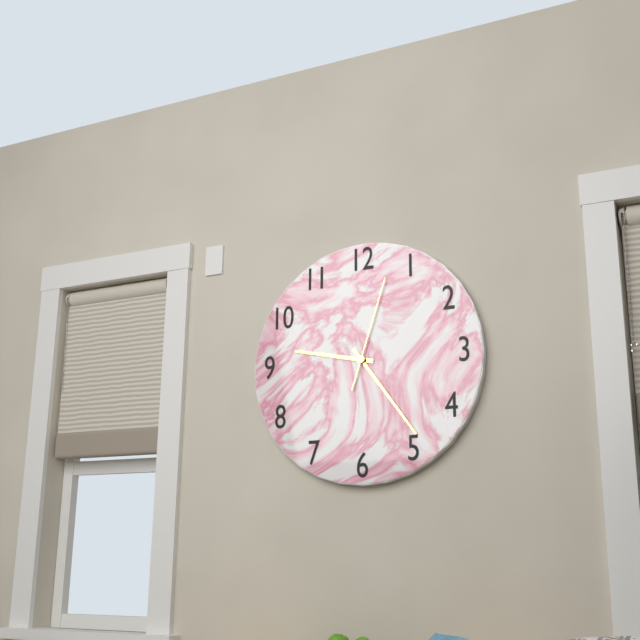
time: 9:24:03
